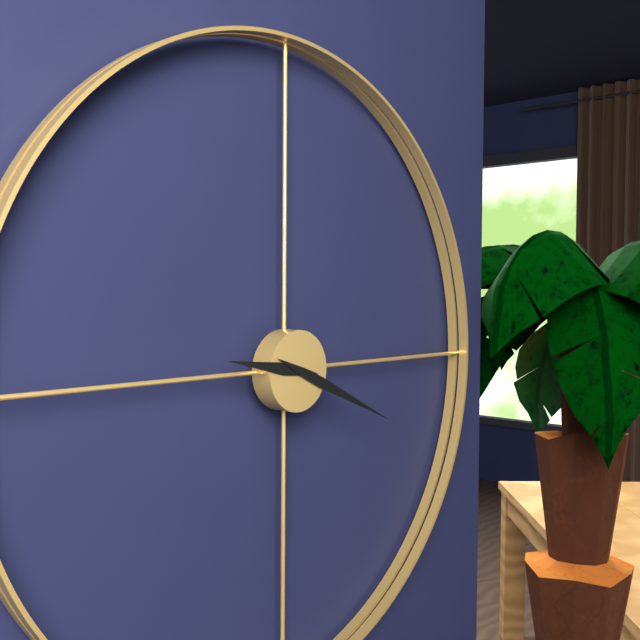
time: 9:19
